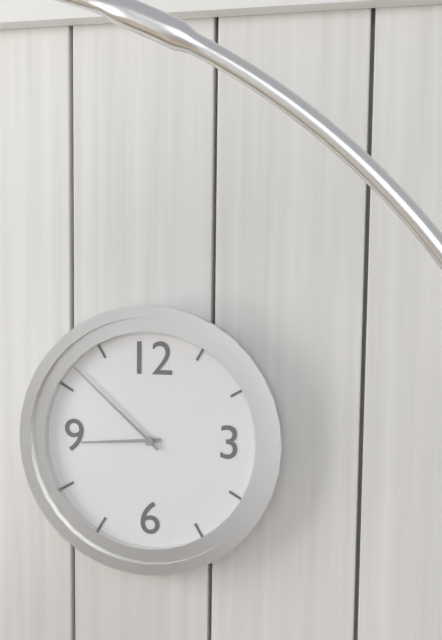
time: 8:52
